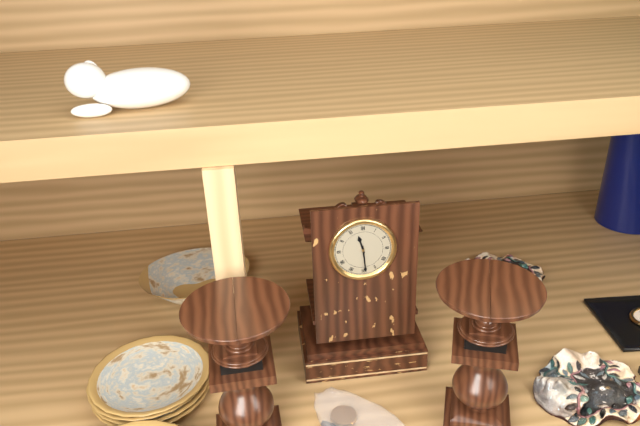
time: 11:29
